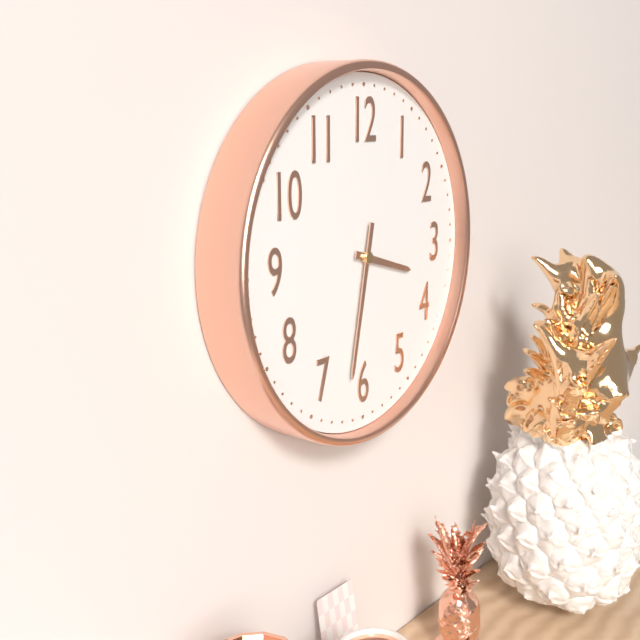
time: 3:32
